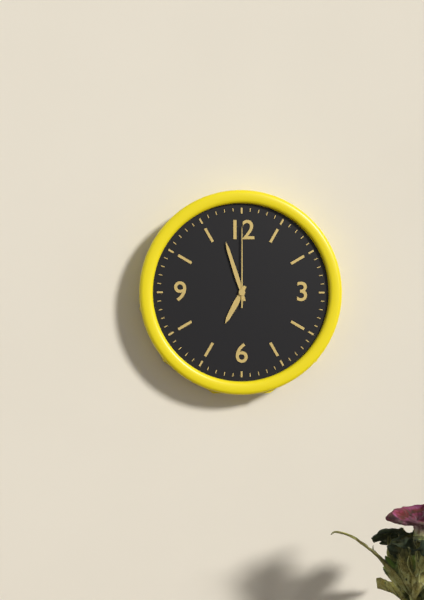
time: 6:57:00
